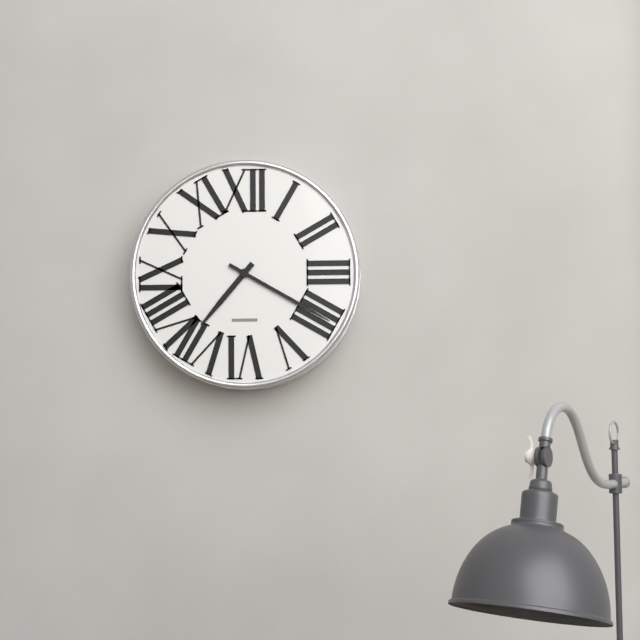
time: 7:20
